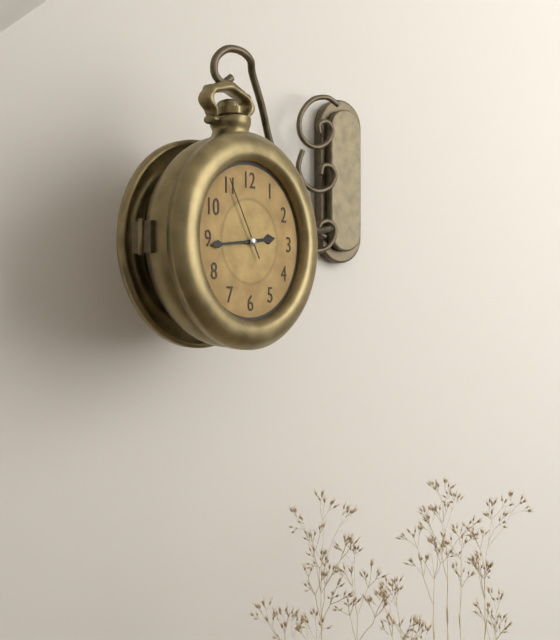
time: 2:44:55
